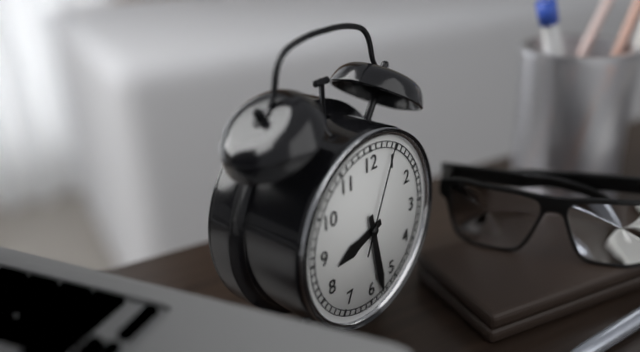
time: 8:28:04
